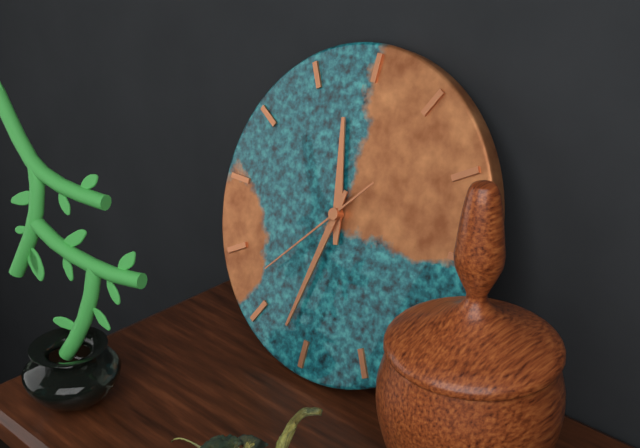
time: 11:32:37
